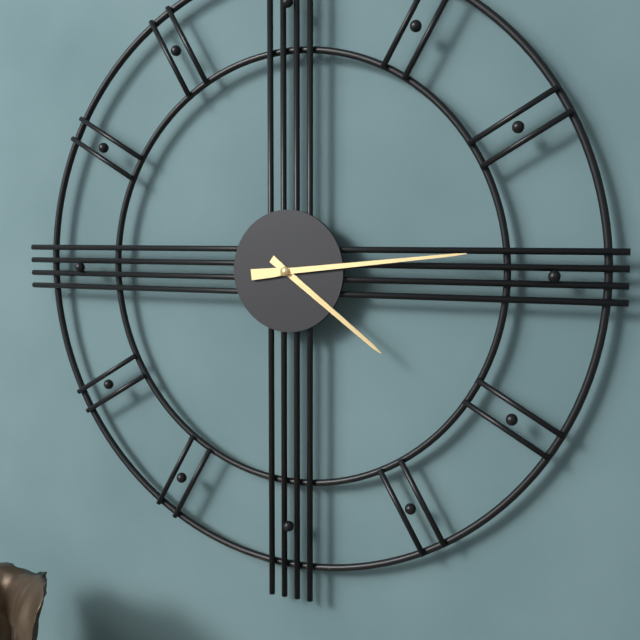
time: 4:14
